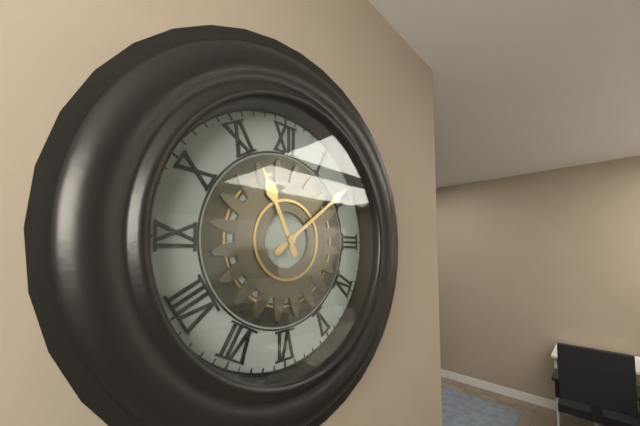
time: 11:09
